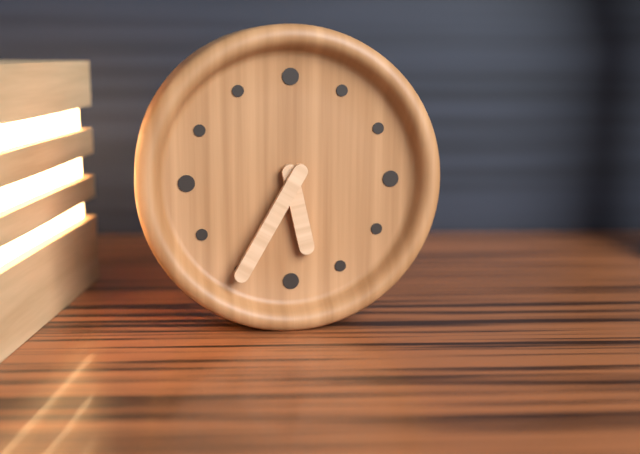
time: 5:35
